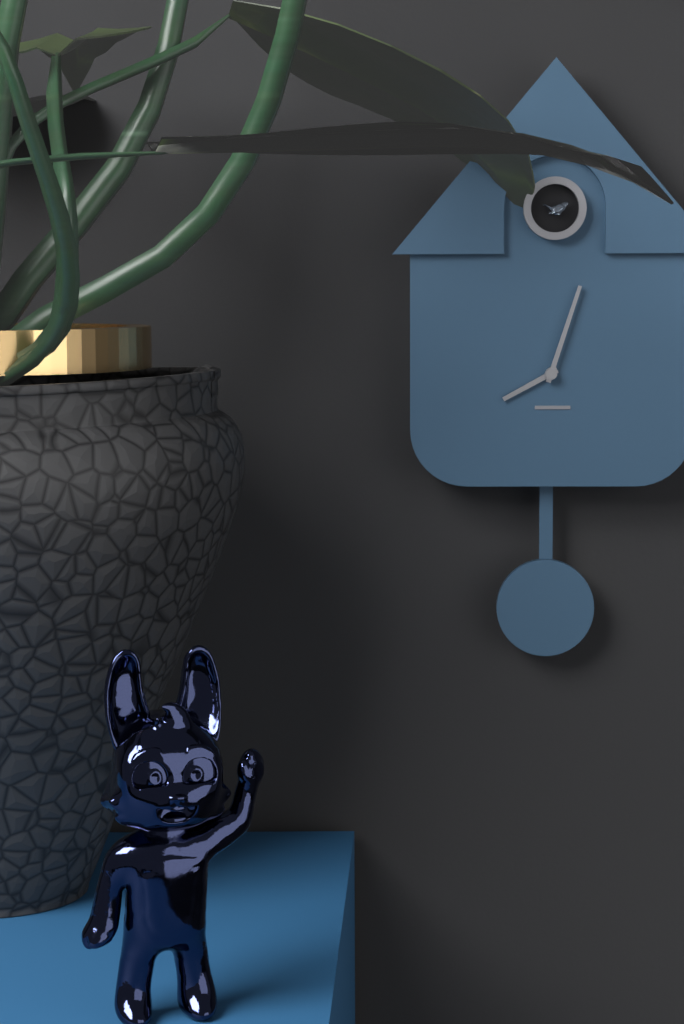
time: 8:03
